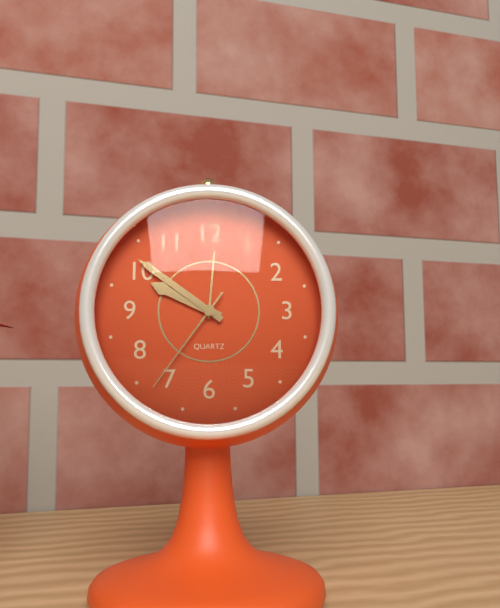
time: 9:51:36
